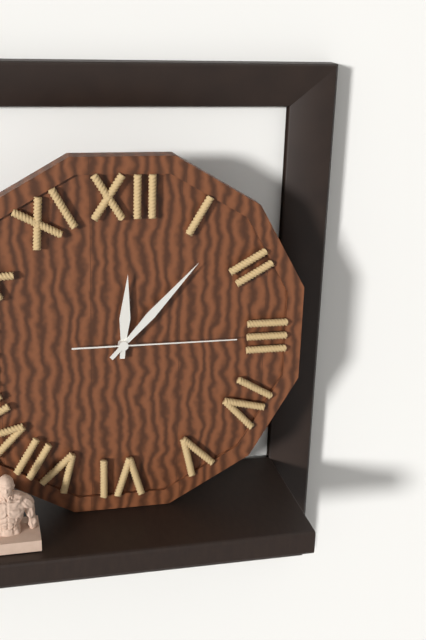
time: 12:07:15
